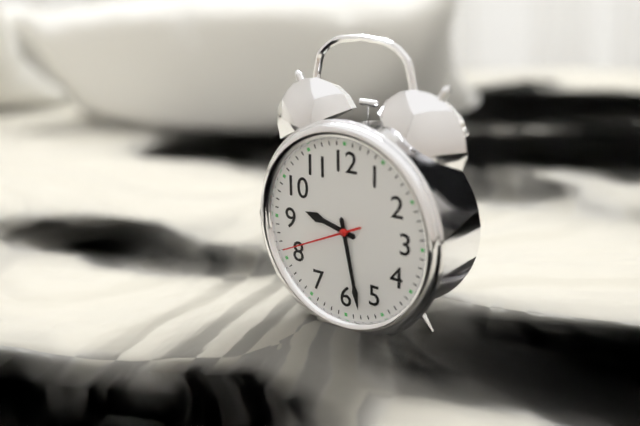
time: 9:28:41
